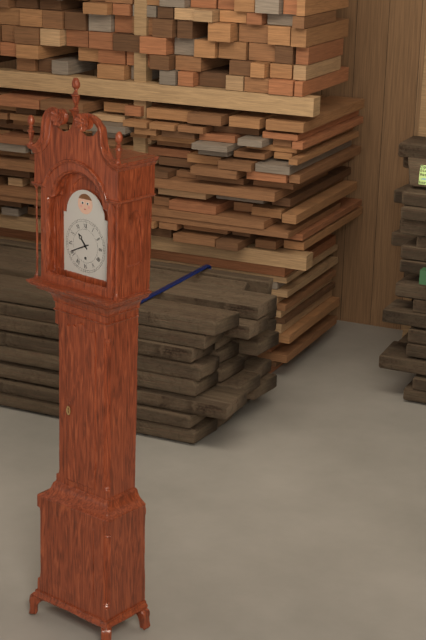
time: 10:41
